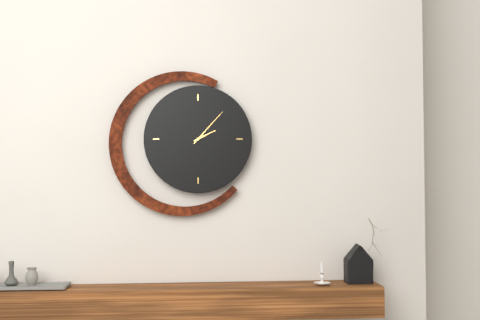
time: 2:07
